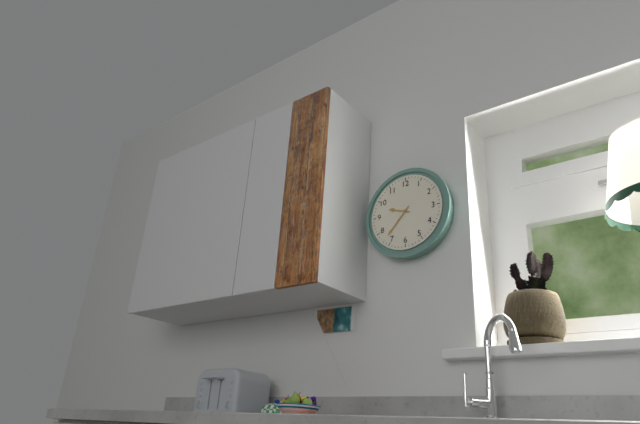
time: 9:37
